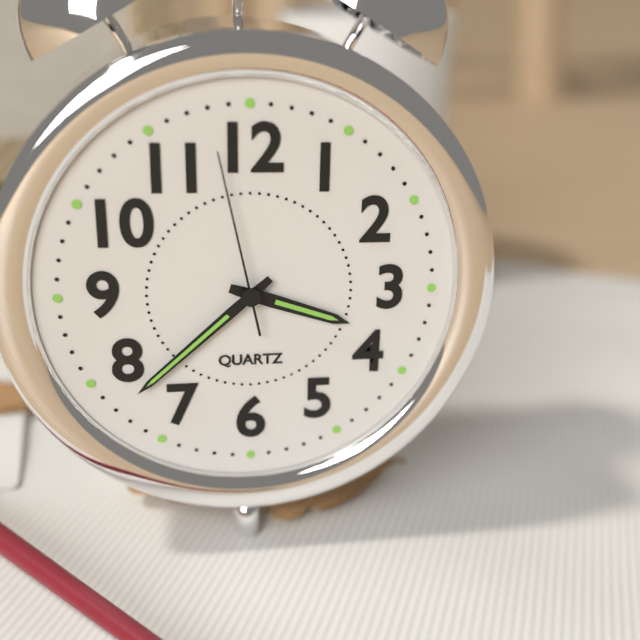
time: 3:38:58
